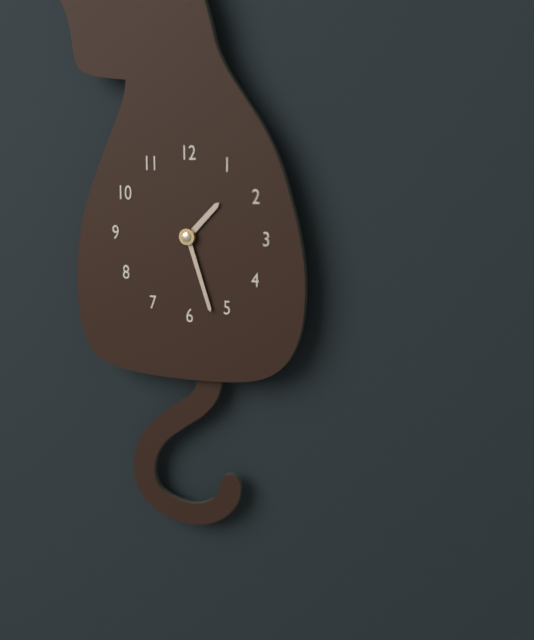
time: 1:27
